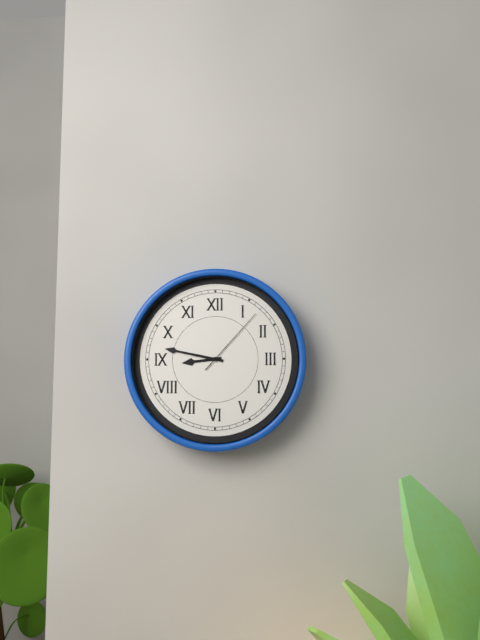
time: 8:47:07
